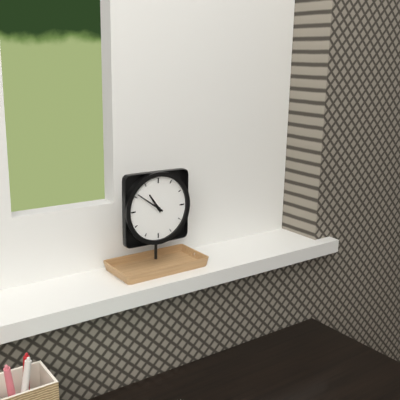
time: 10:51
